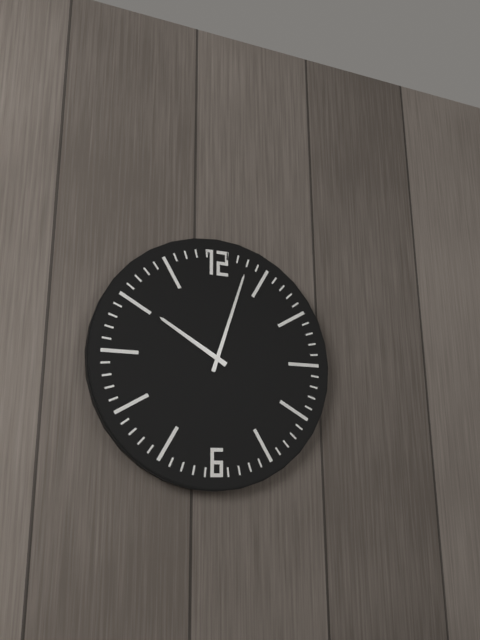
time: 10:03
